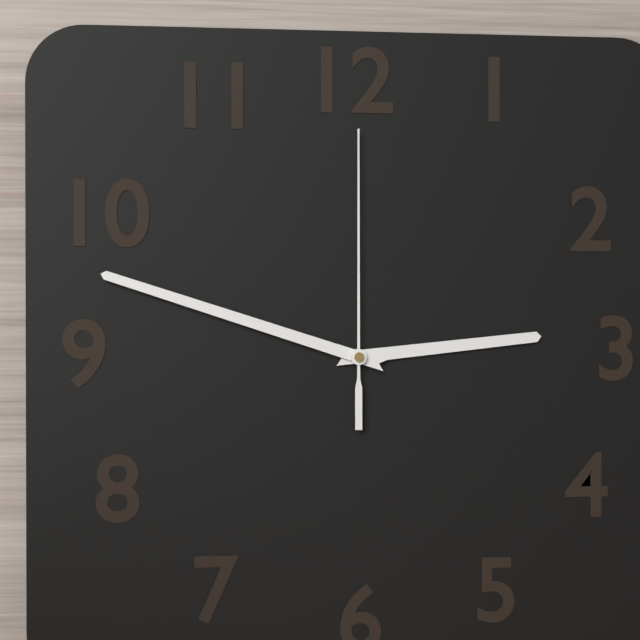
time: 2:48:00
